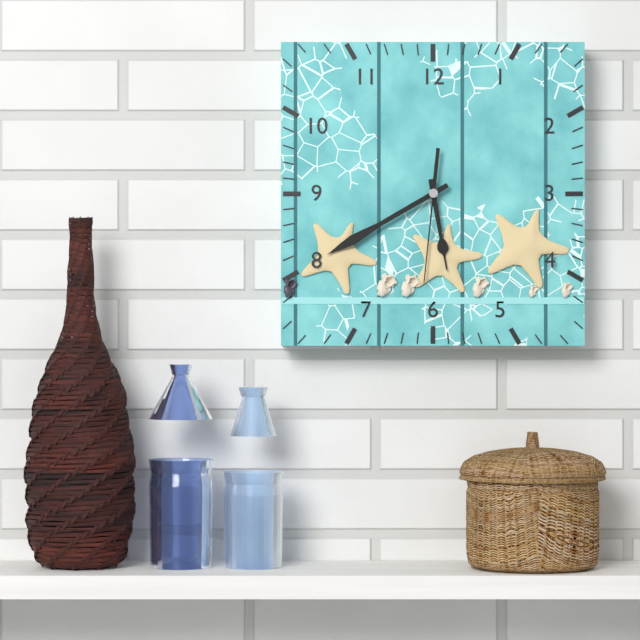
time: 5:40:31
